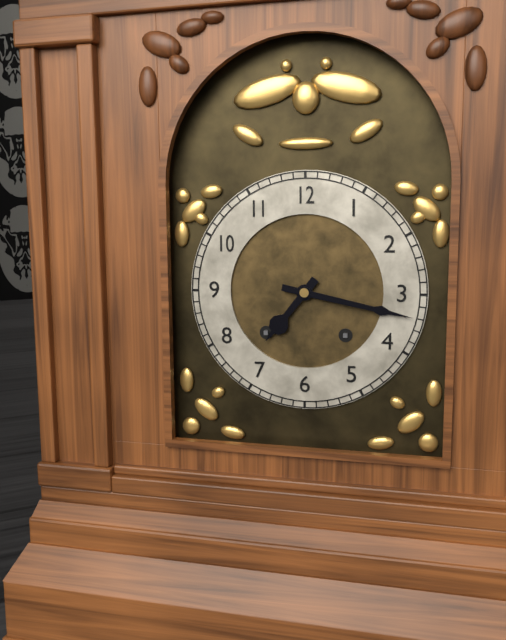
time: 7:17
